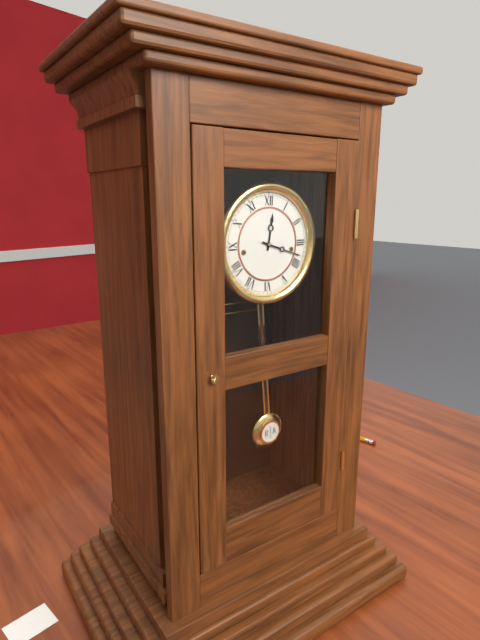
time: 12:18
